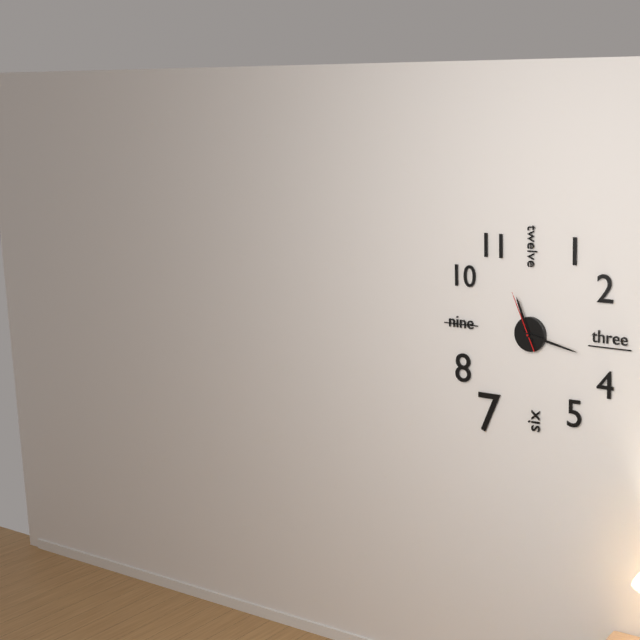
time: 11:17:56
